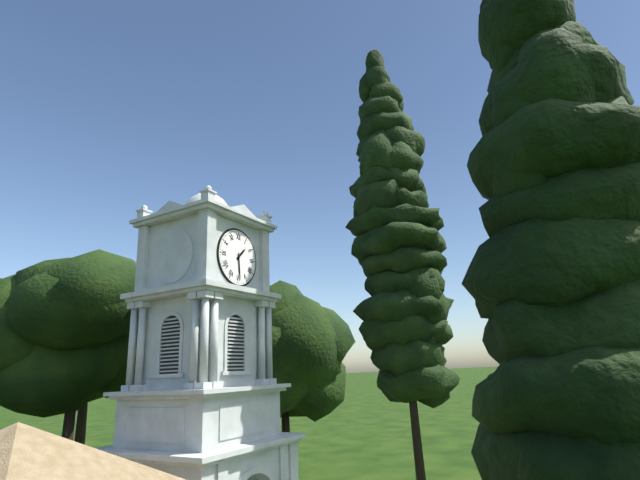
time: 1:29
